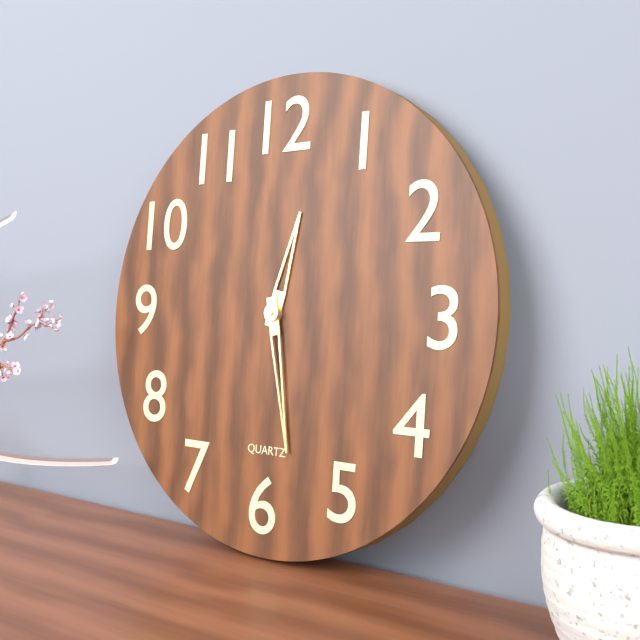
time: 12:28
